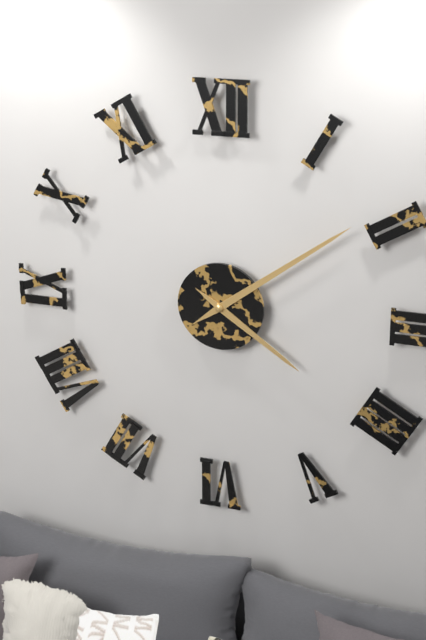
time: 4:09
